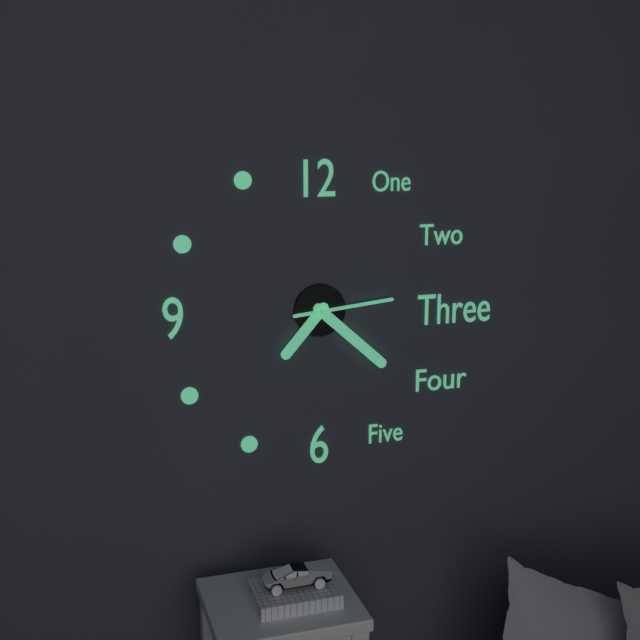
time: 7:22:14
